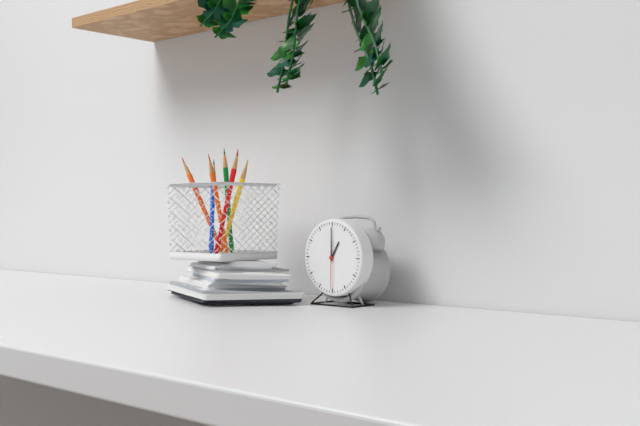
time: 1:00
